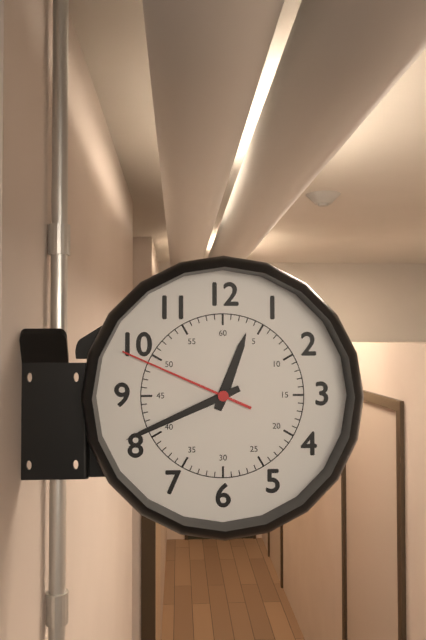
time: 12:41:49
